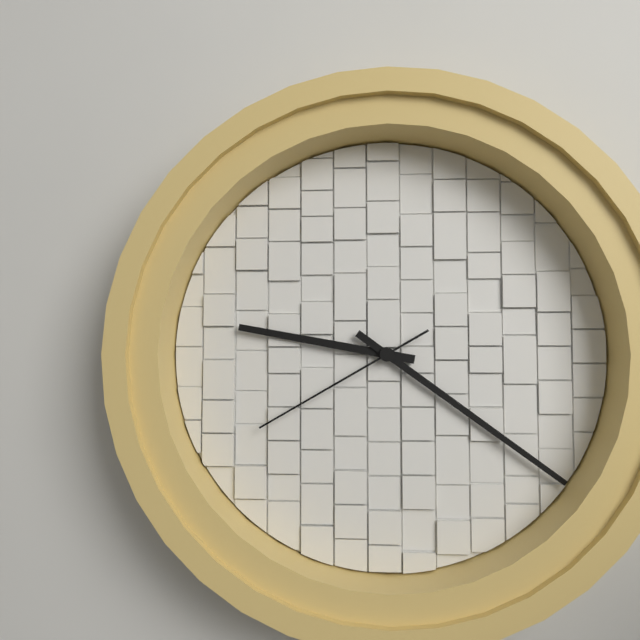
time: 9:21:40
